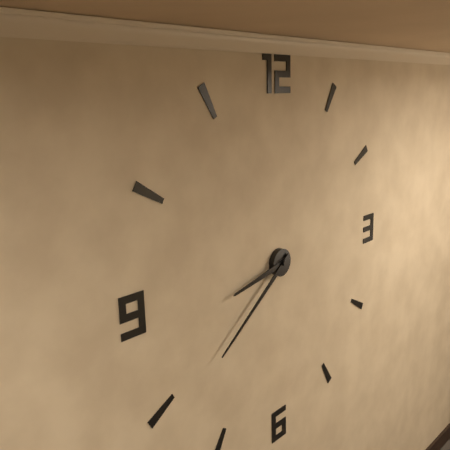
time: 8:39
